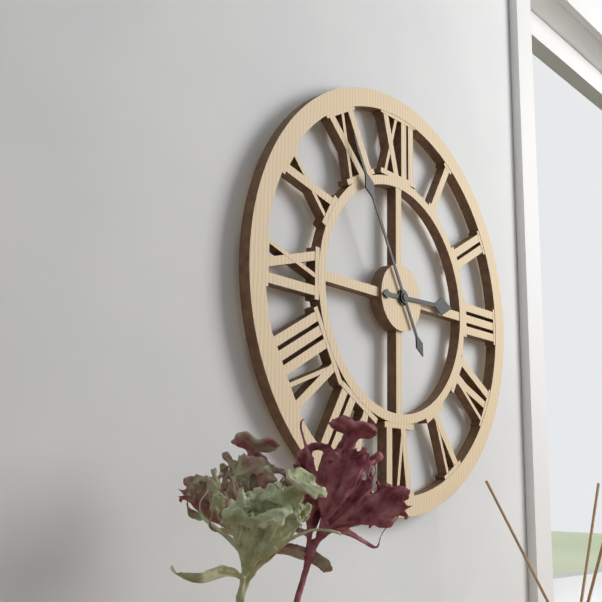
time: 2:55
